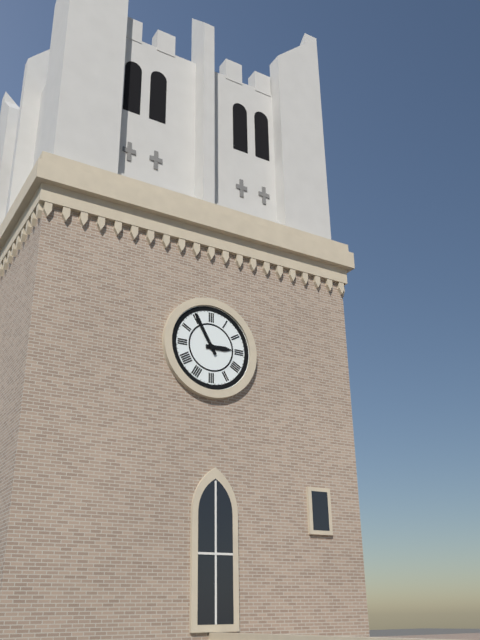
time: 2:55
